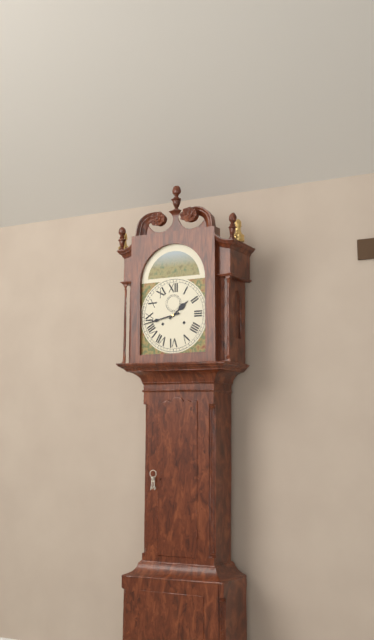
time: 1:43
